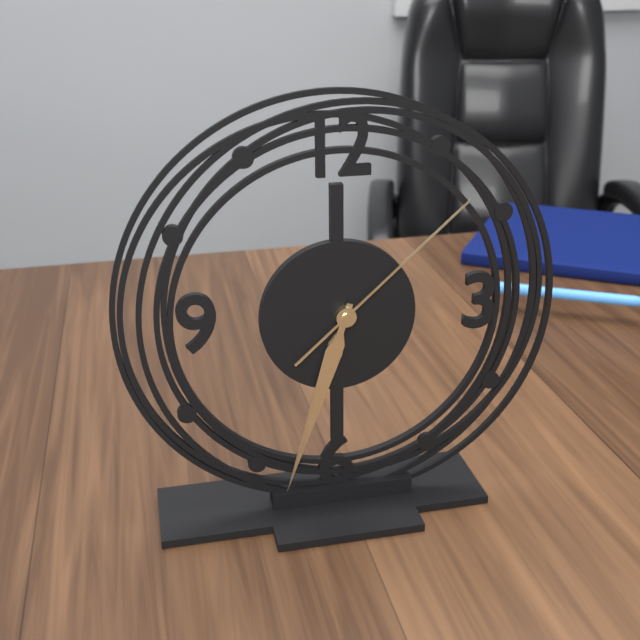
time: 6:33:08
